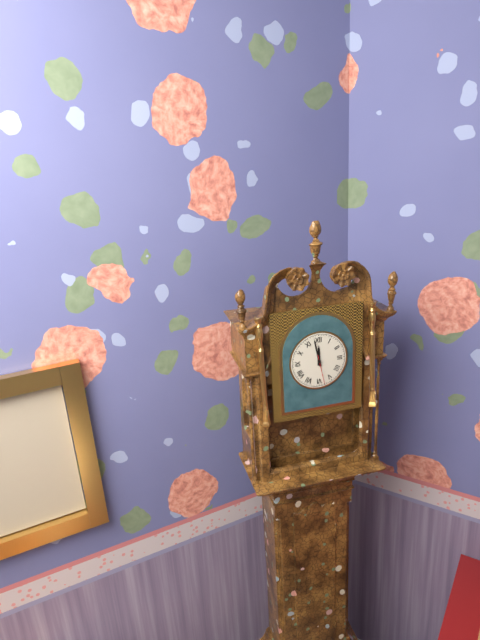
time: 11:58
